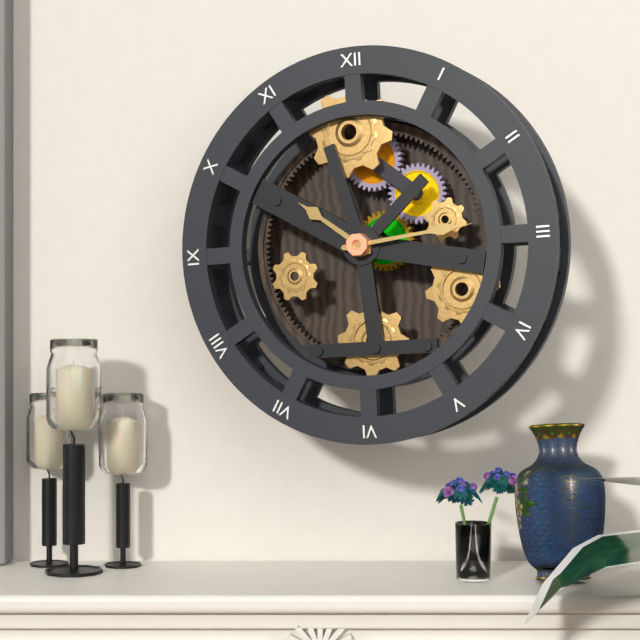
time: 10:14
